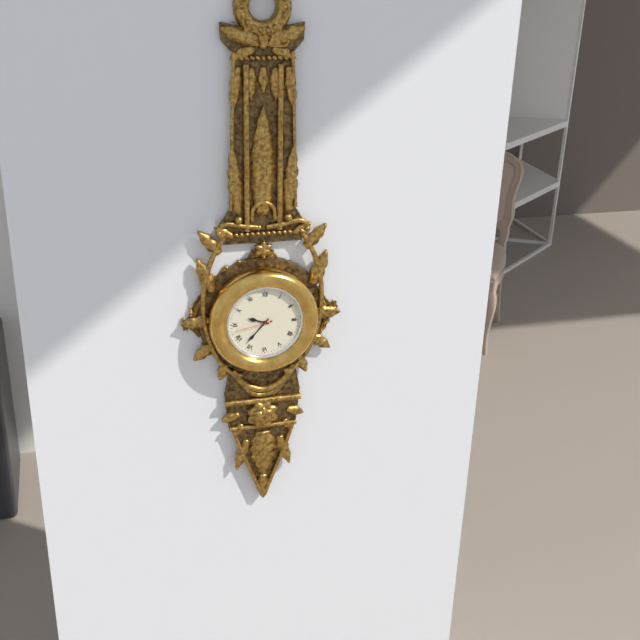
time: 9:37
